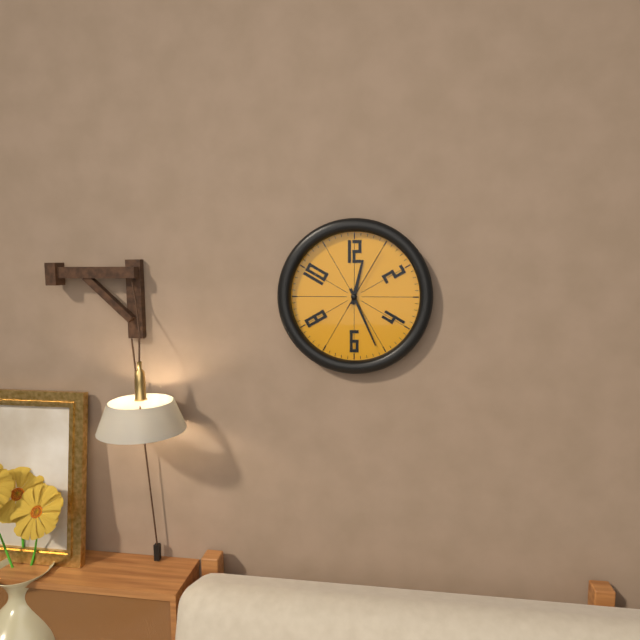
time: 12:26:05
